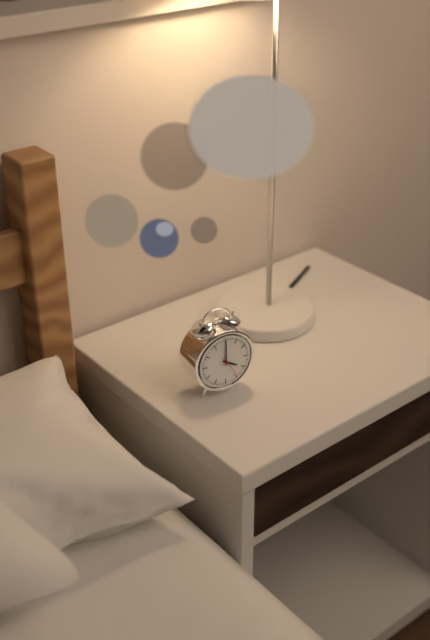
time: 4:00
